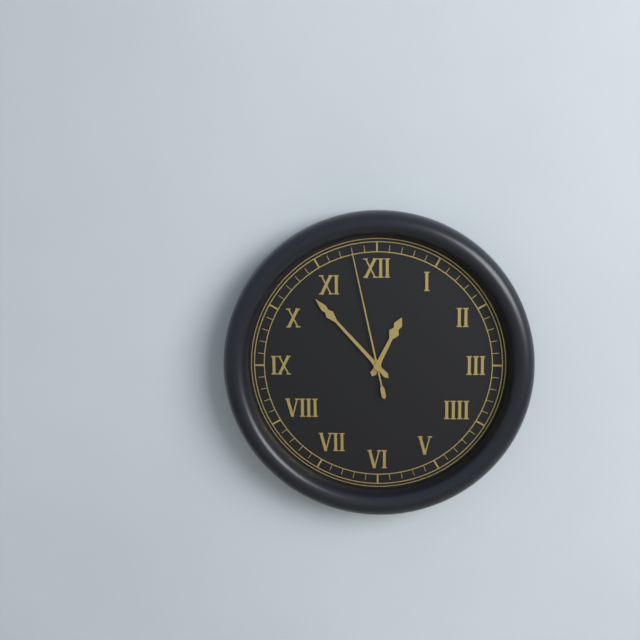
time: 12:53:58
